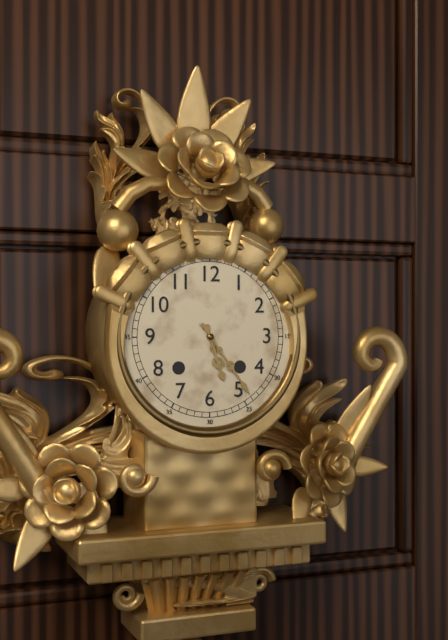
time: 5:24
